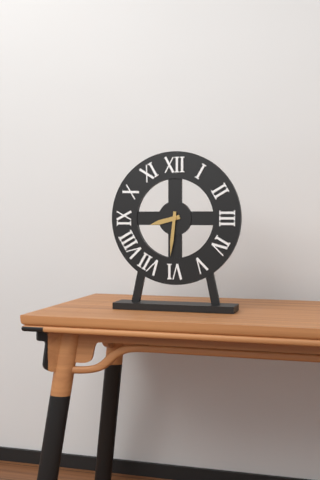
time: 8:31
